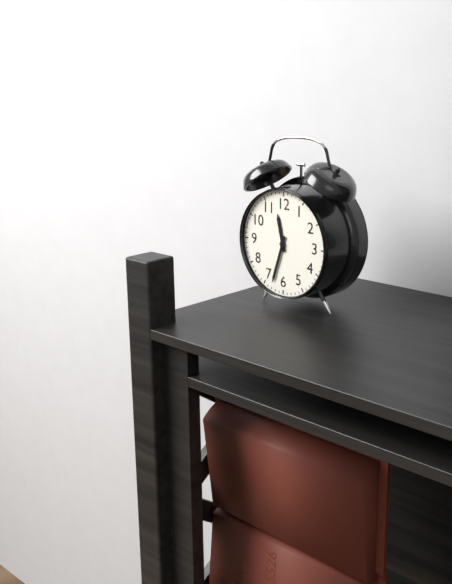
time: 11:33
